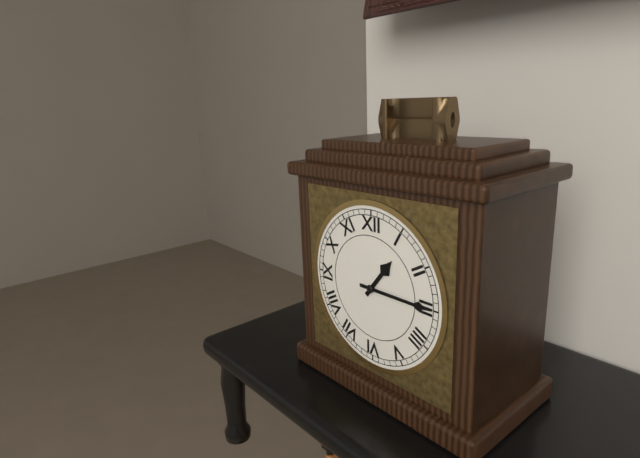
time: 1:15
